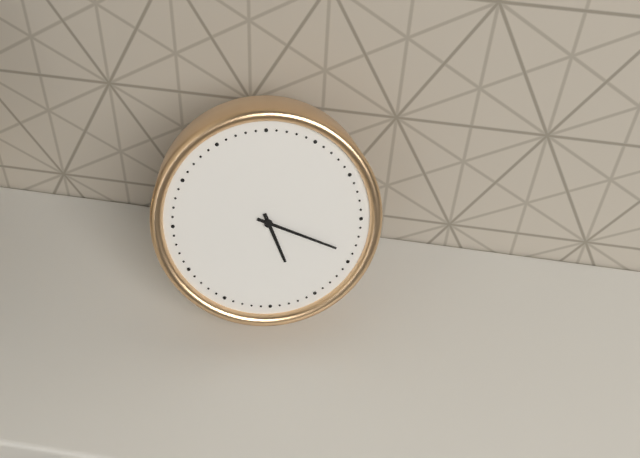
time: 5:19
